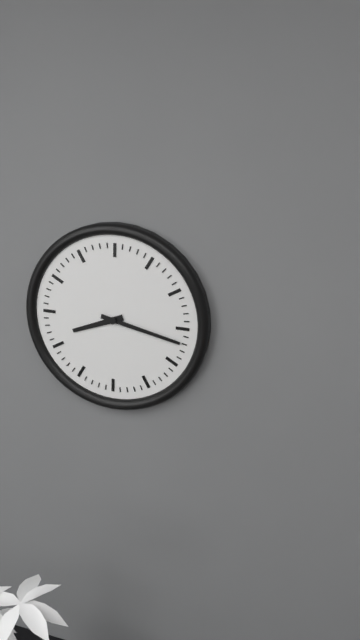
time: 8:17
